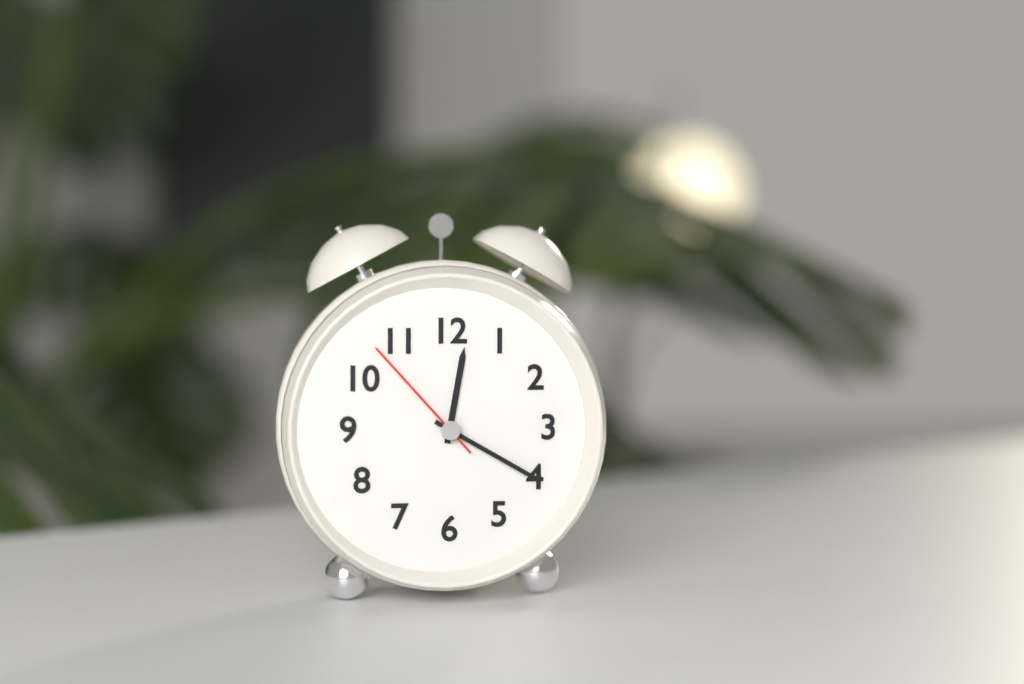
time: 12:20:53
